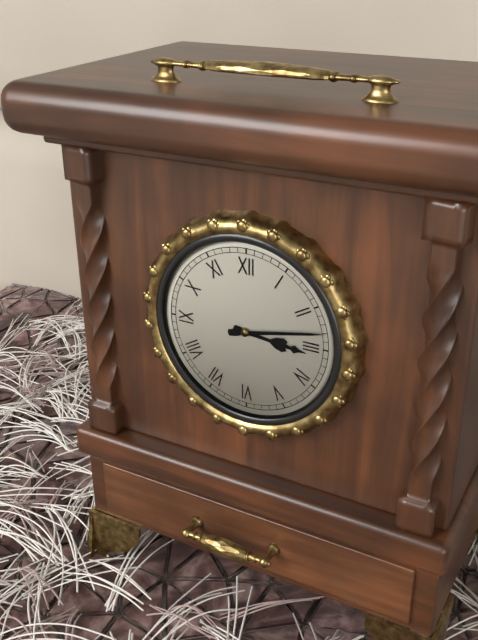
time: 3:13
